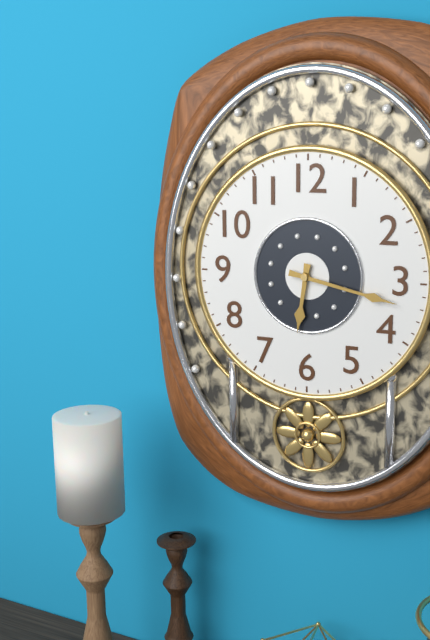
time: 6:17
